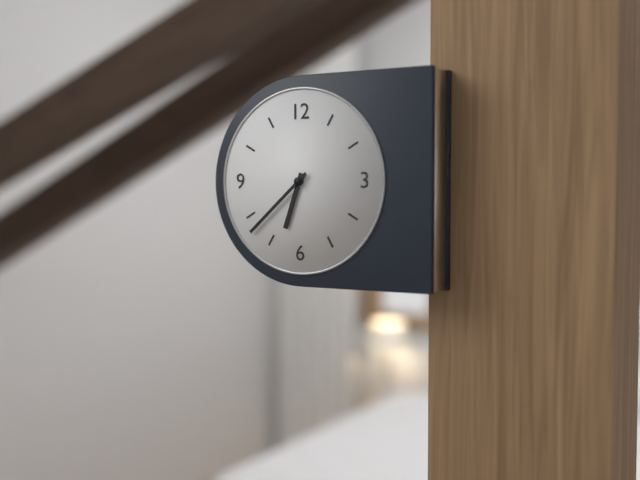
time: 6:38
